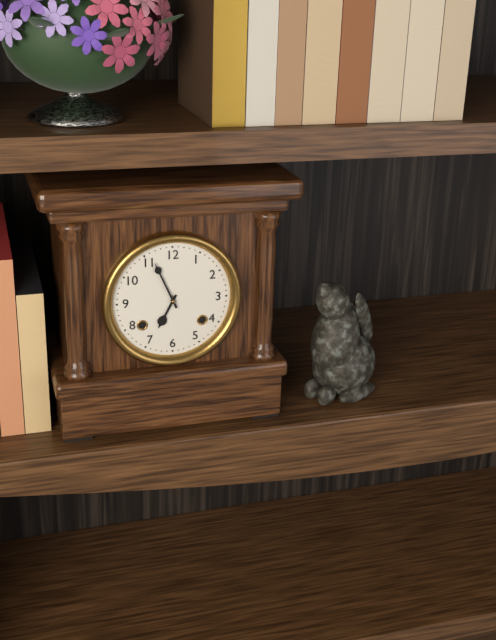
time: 6:56
